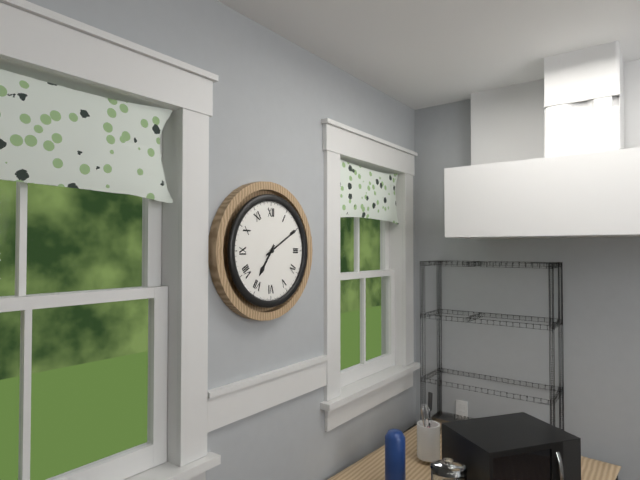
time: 7:10
